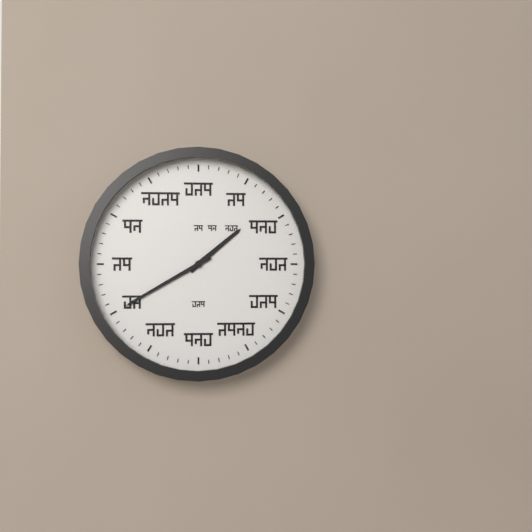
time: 1:40
